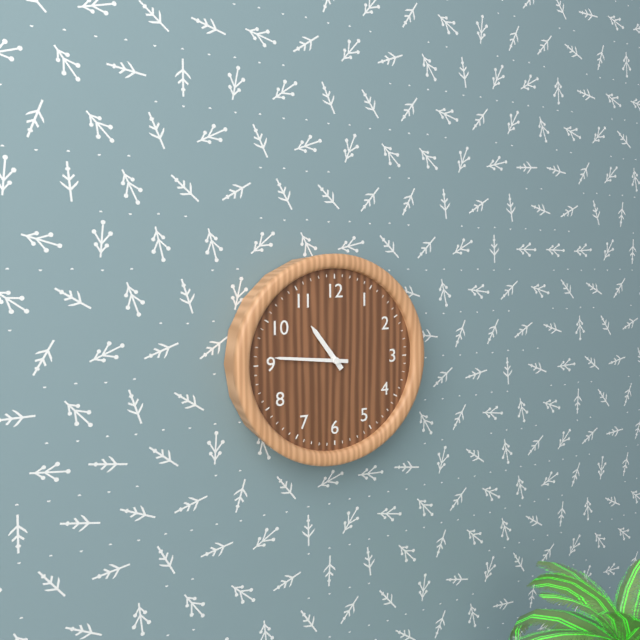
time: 10:46
